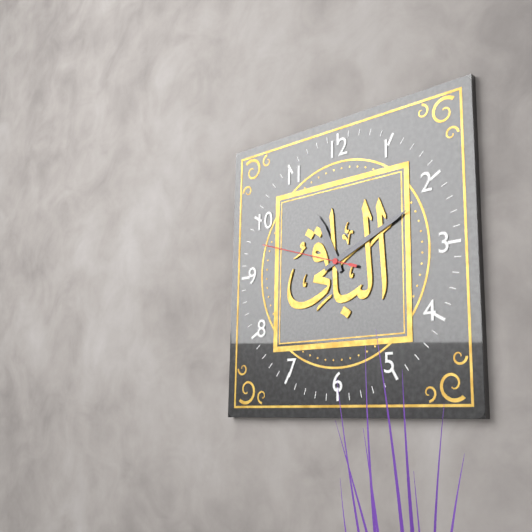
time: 11:11:48
